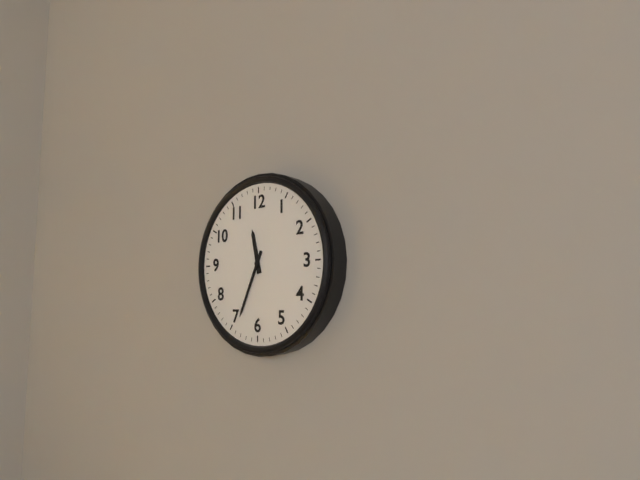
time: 11:34
